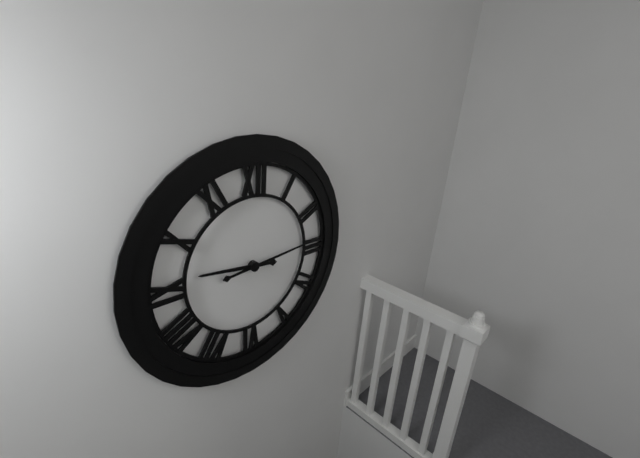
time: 9:14
